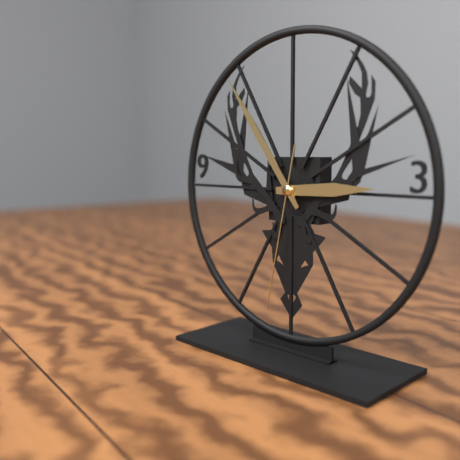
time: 2:54:32
